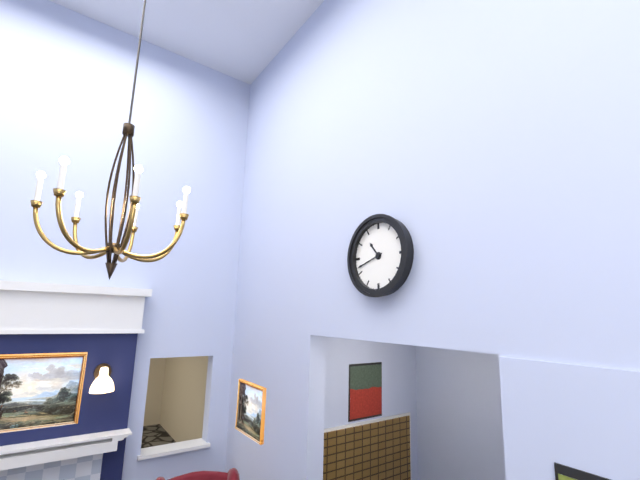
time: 10:42
